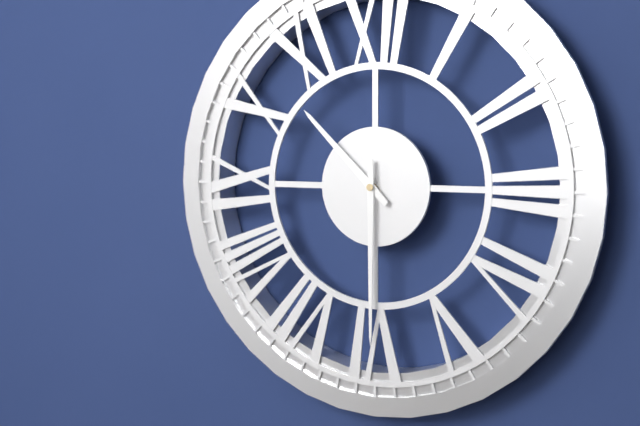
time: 10:30
